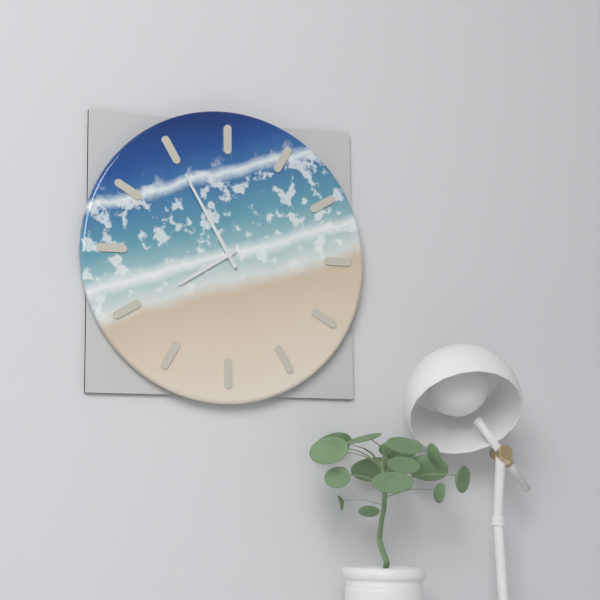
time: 7:55
